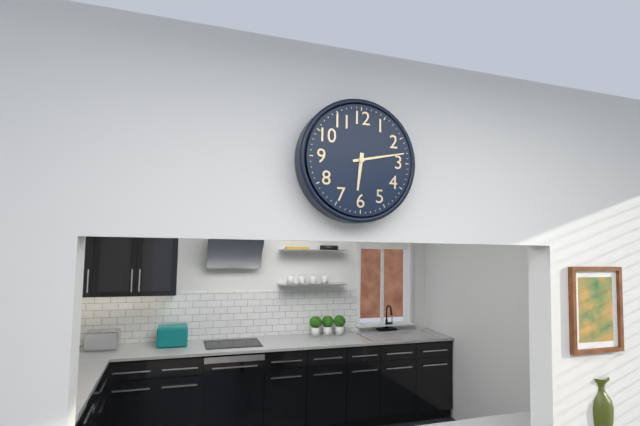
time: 6:13
